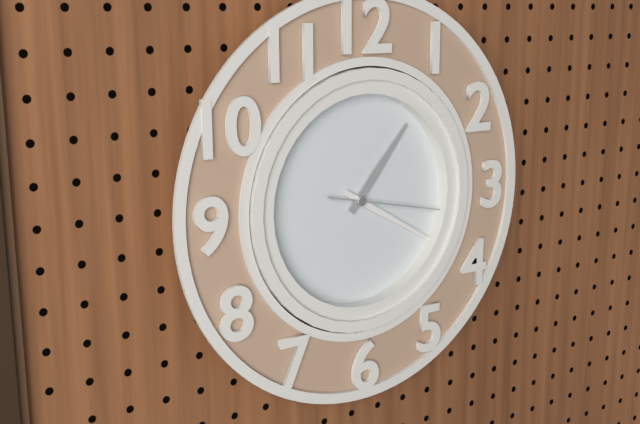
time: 1:20:17
